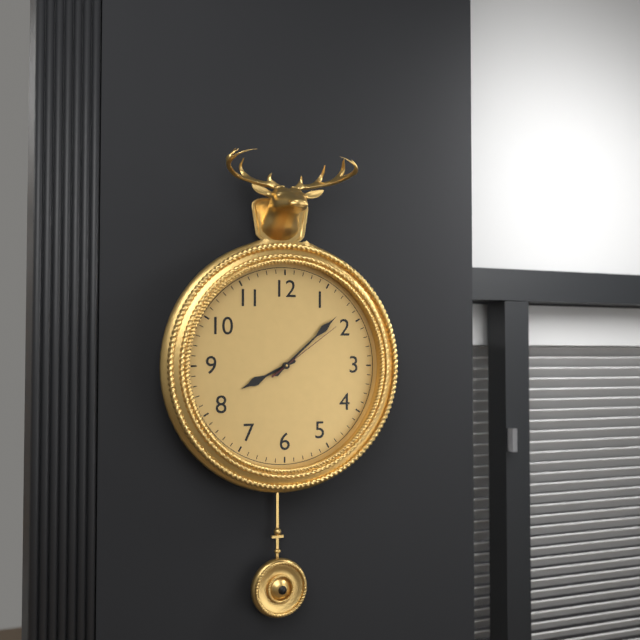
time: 8:08:09
